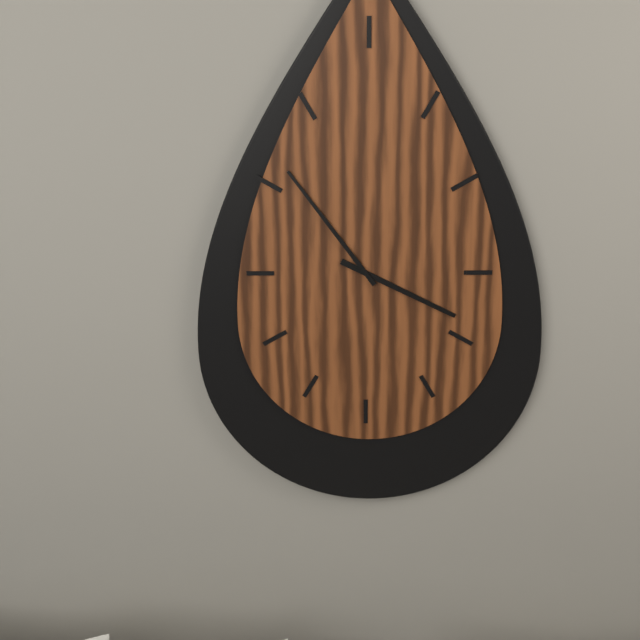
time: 3:54
